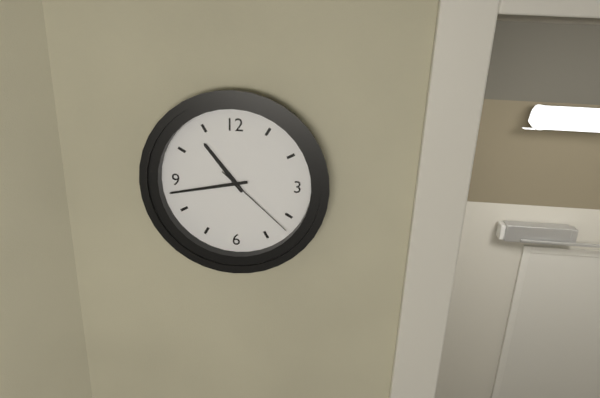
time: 10:43:22
